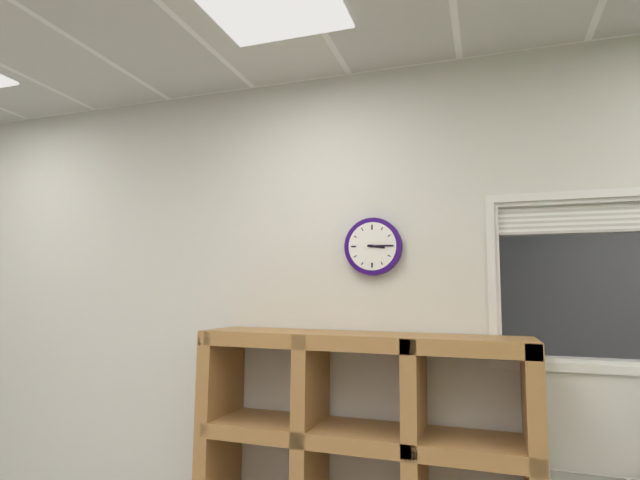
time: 3:15
